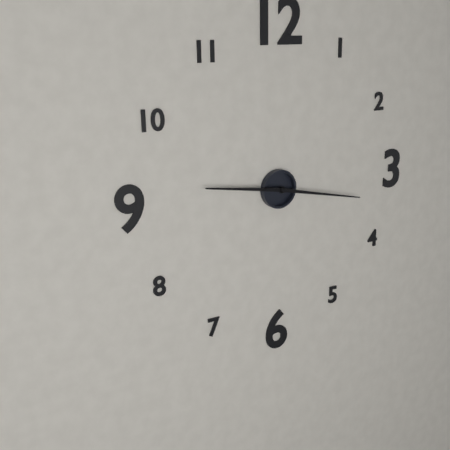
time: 9:17
